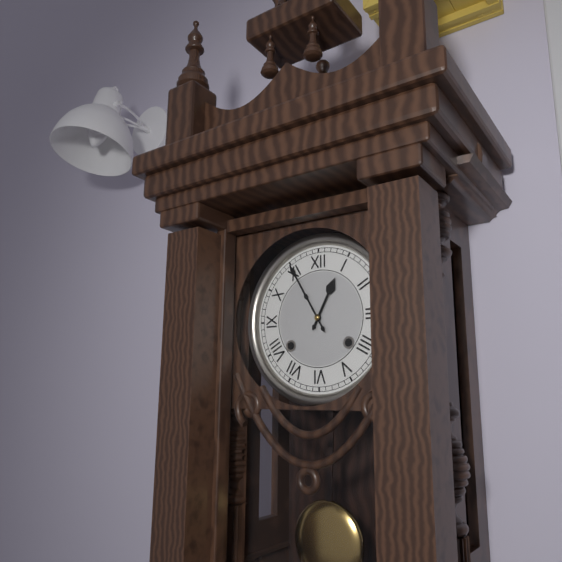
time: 12:55
